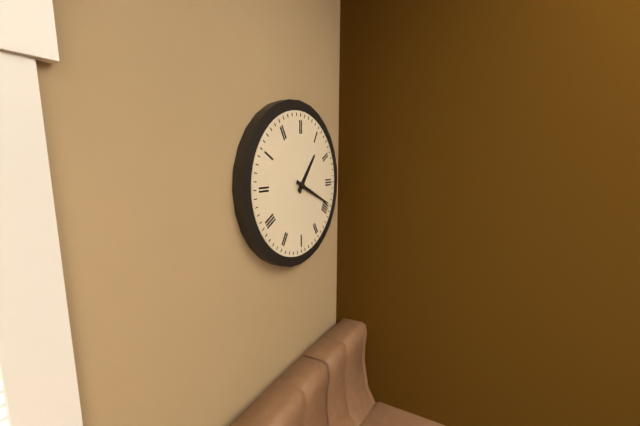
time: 1:19
